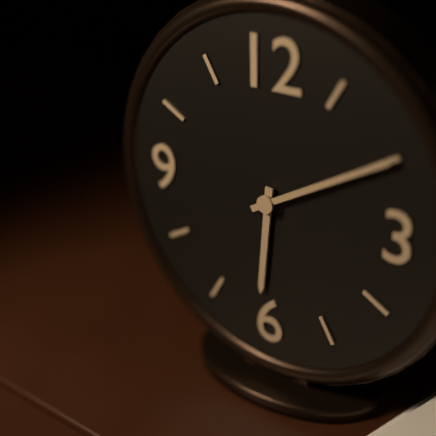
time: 6:10
